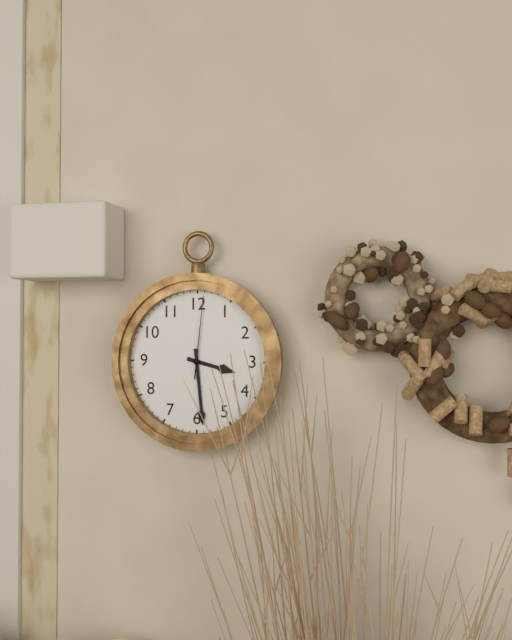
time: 3:29:01
